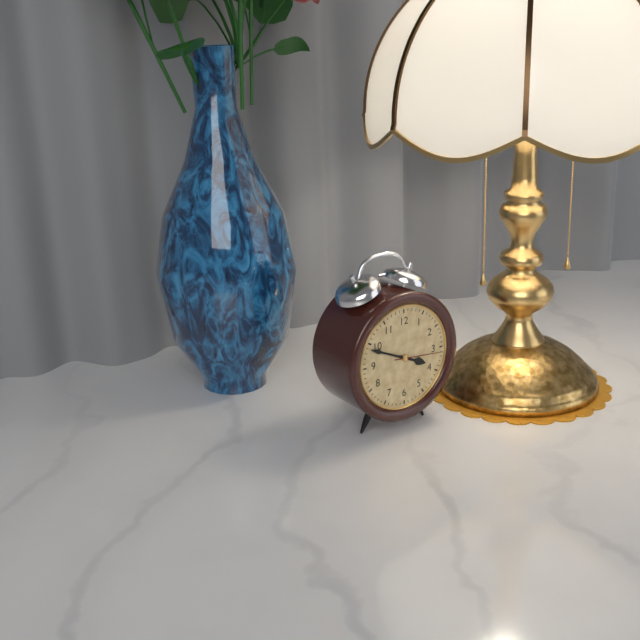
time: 3:49:16
